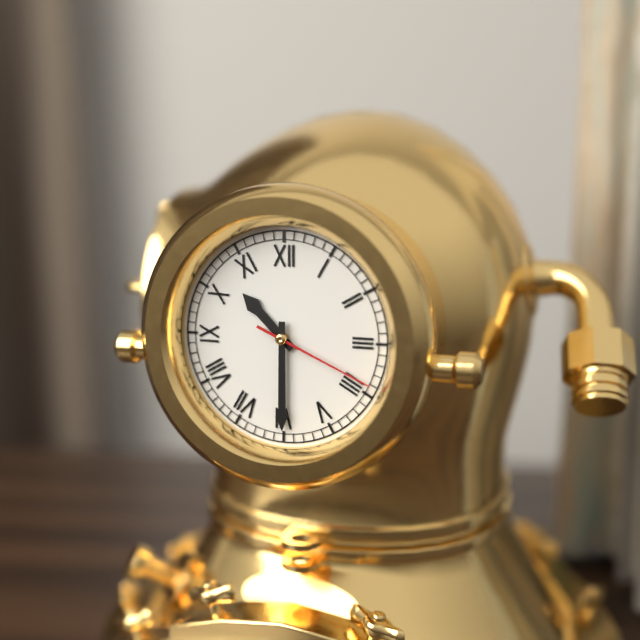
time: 10:30:19
